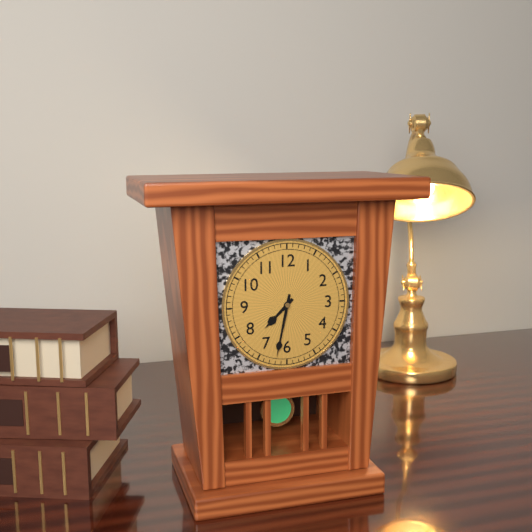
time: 7:32
